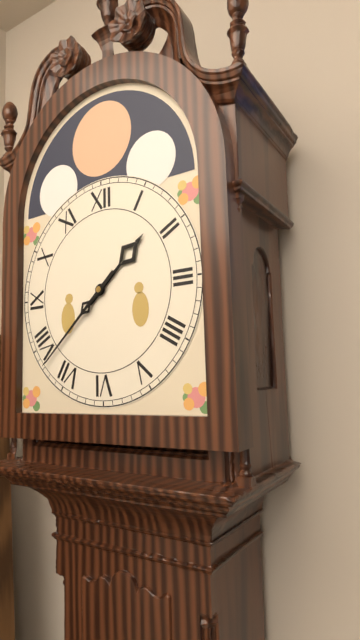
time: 1:38
